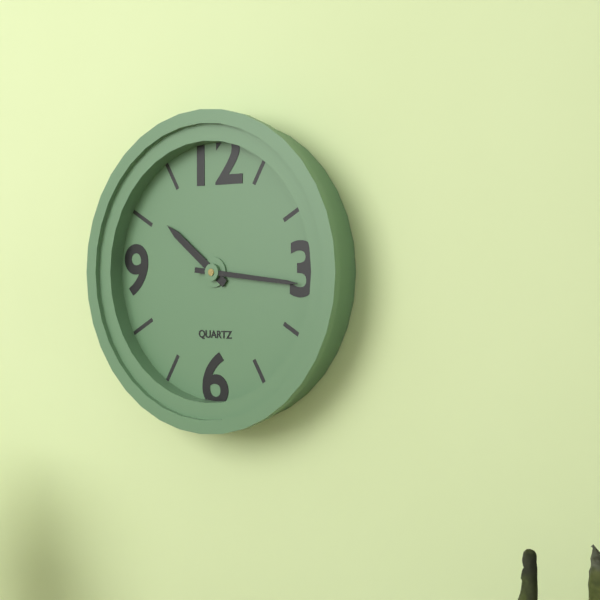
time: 10:16
